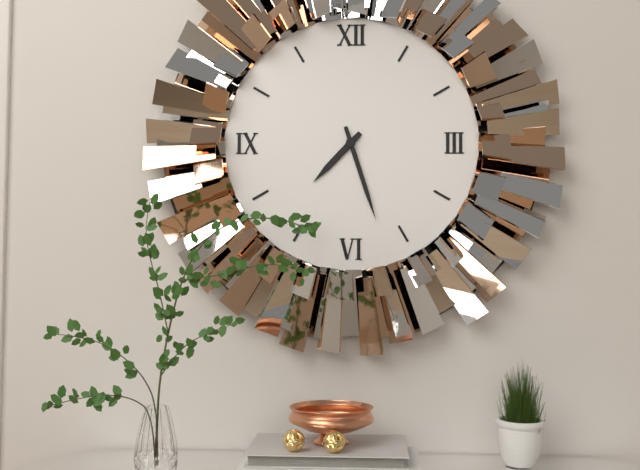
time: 7:27
